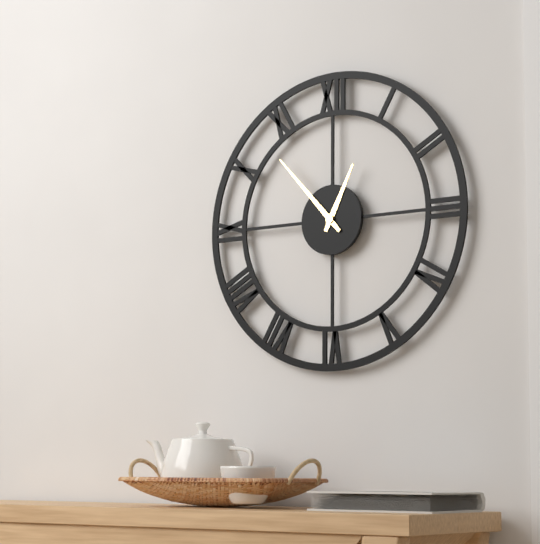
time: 12:53
